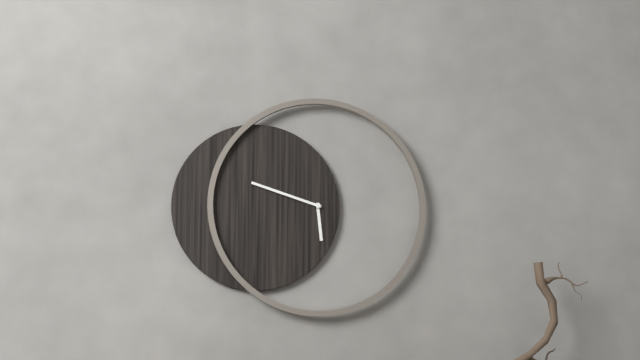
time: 5:48
